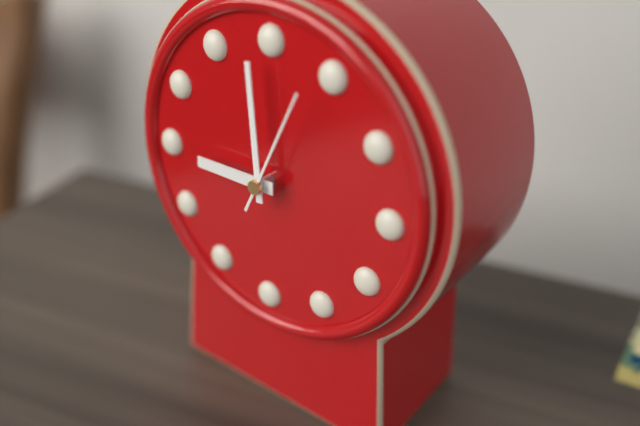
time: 8:59:04
